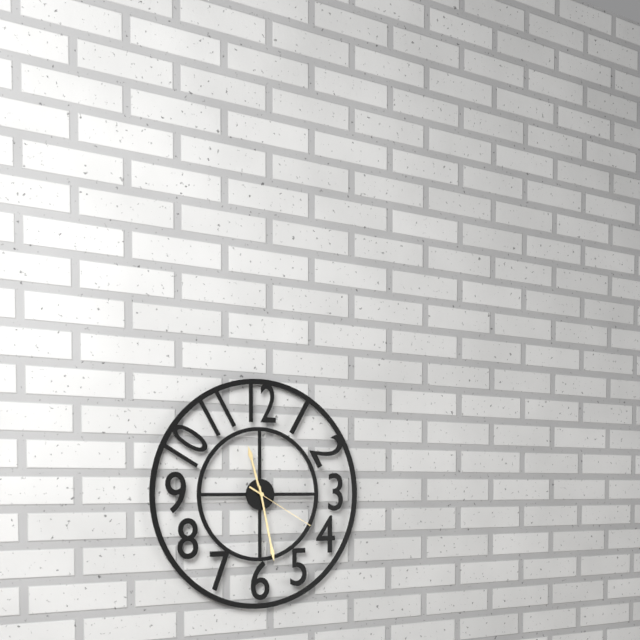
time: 11:28:20
